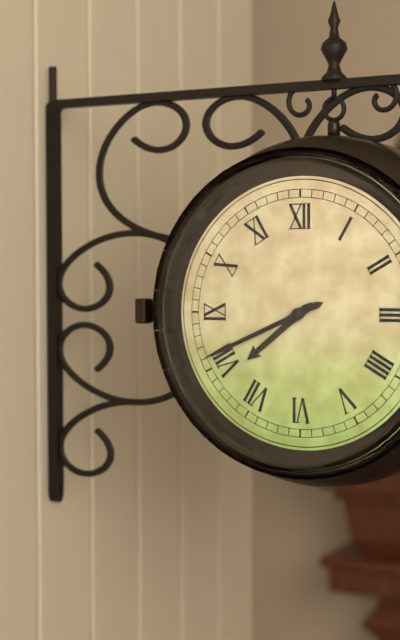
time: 7:41
